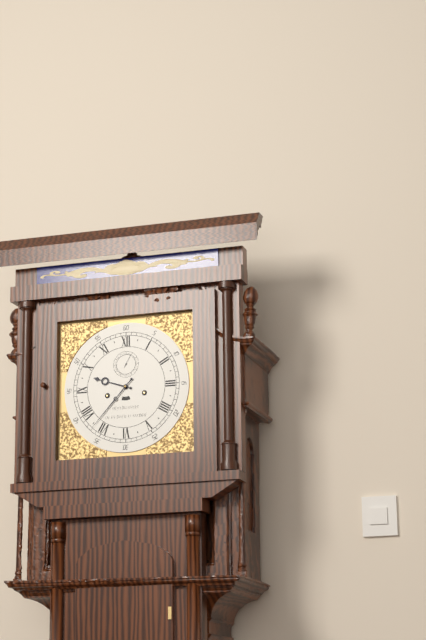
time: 9:37
